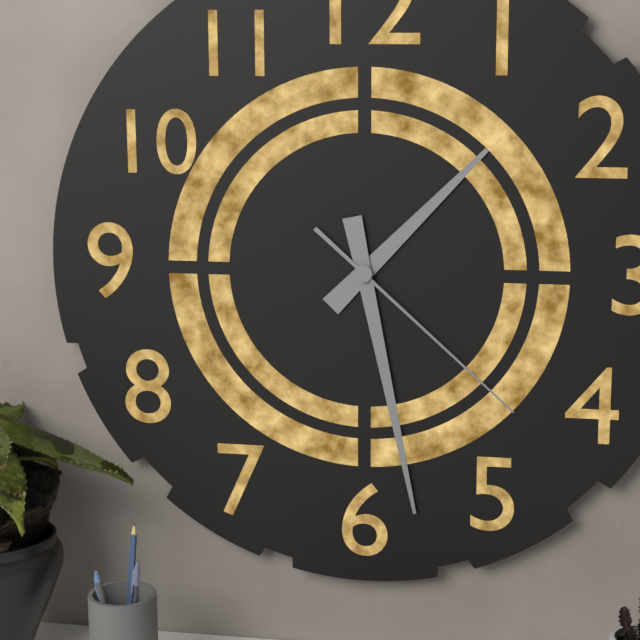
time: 1:28:22
